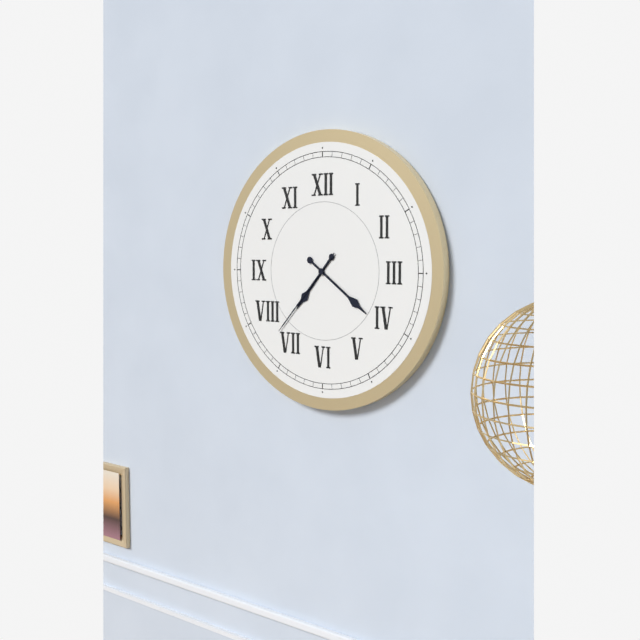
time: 7:21:37
